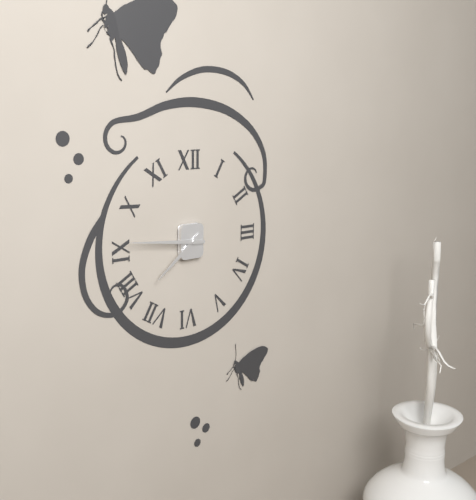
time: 7:46
